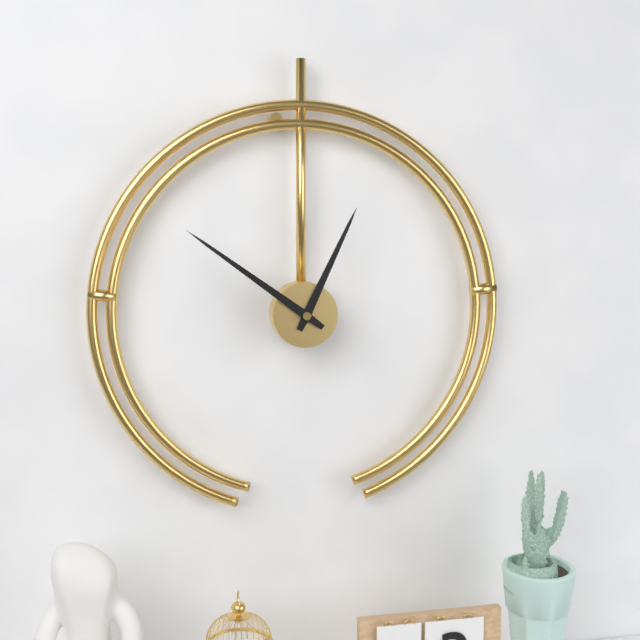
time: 12:51
